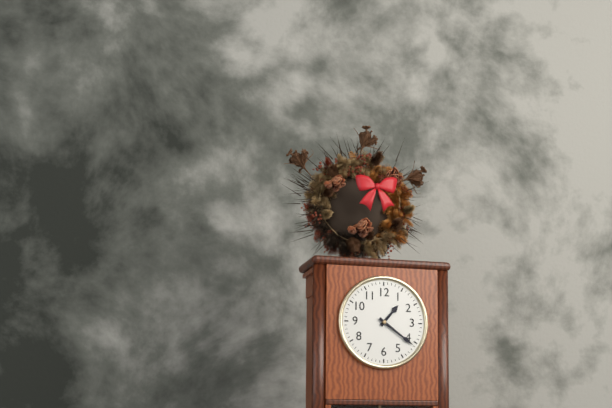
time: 1:21
